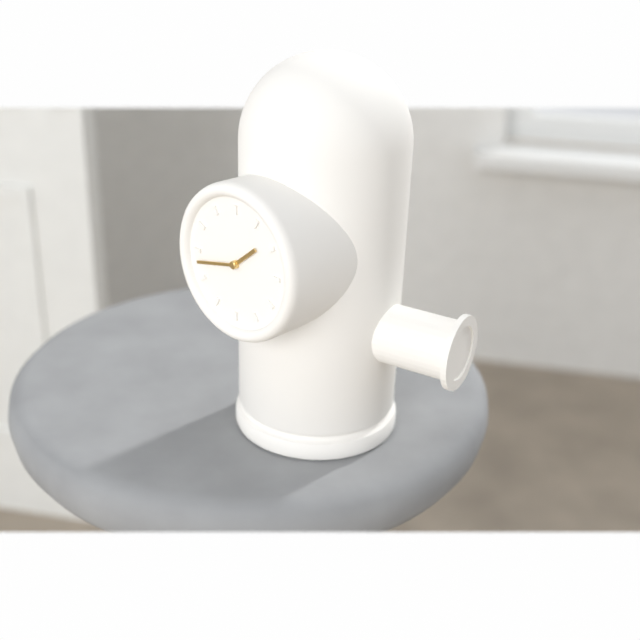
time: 1:43
